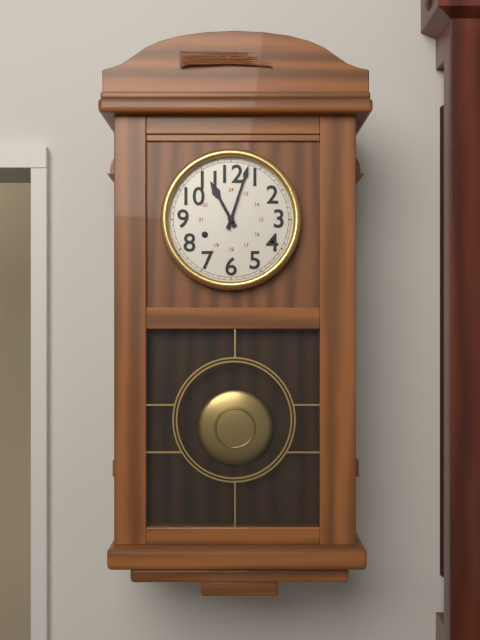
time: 11:03
